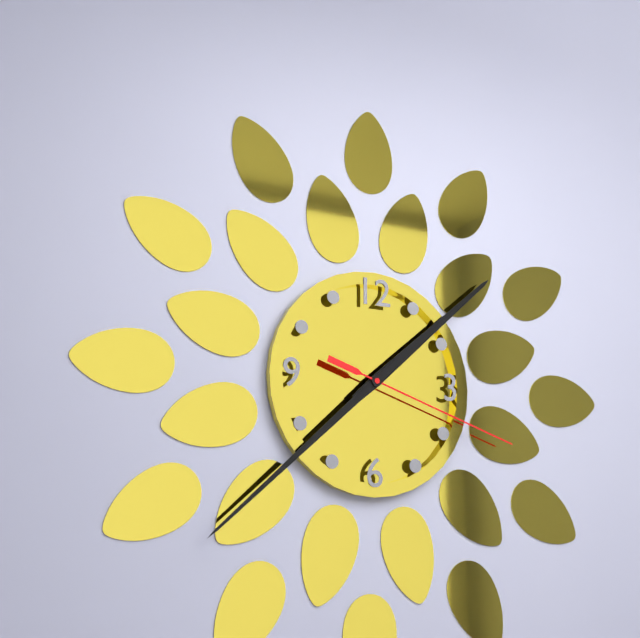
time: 1:38:18
